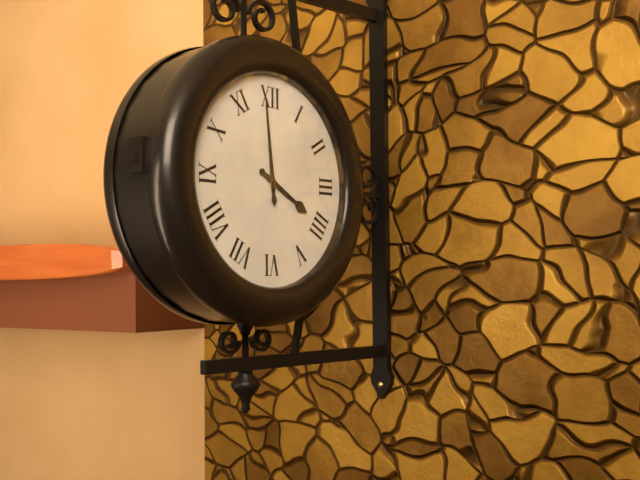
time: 3:59
